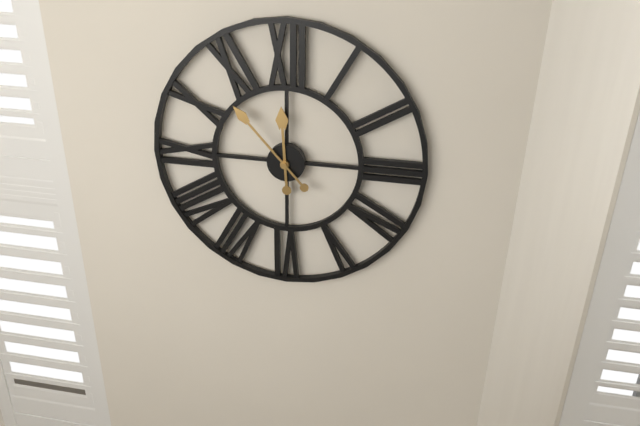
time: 11:53
